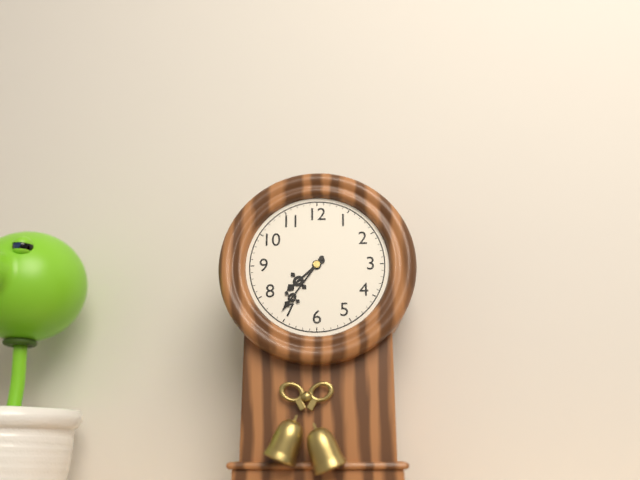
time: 7:36
